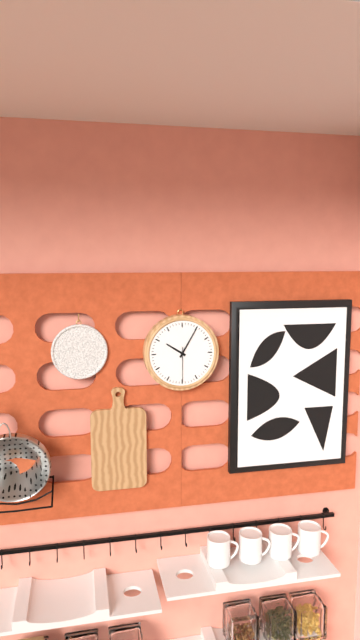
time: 10:05
